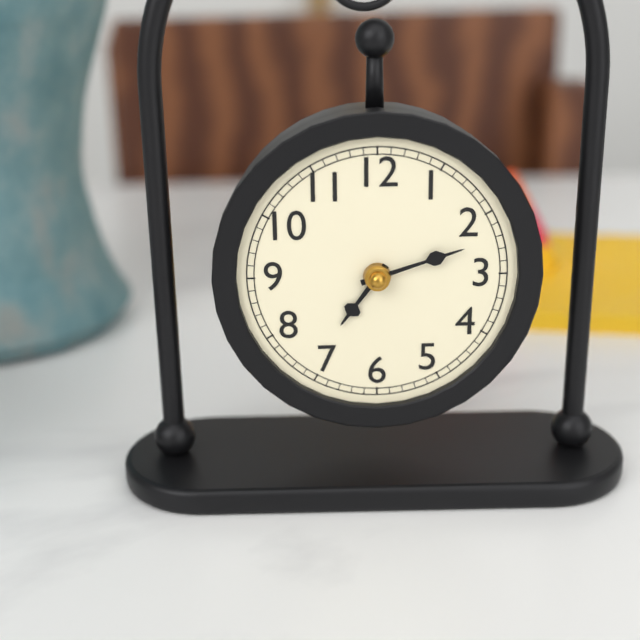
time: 7:12
